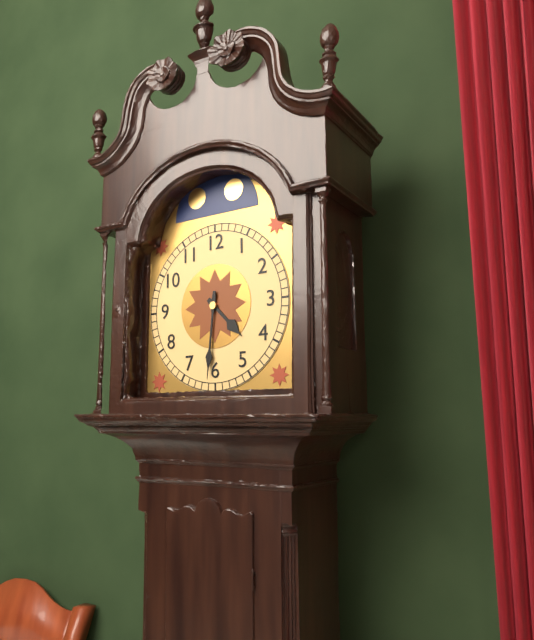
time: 4:31
